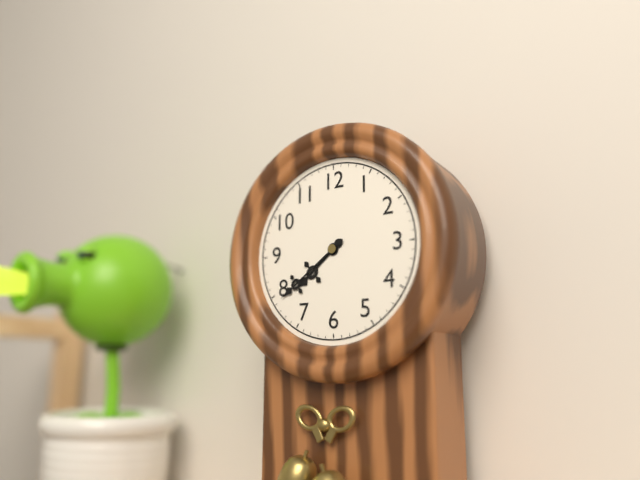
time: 7:39
